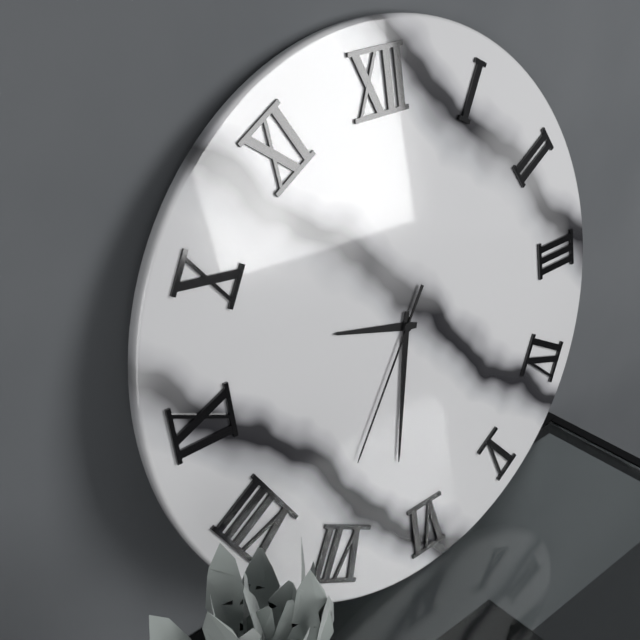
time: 9:32:36
